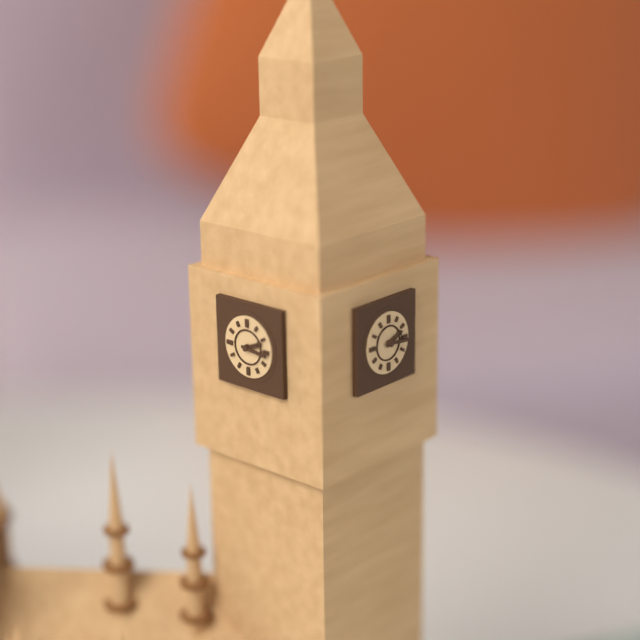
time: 2:16
